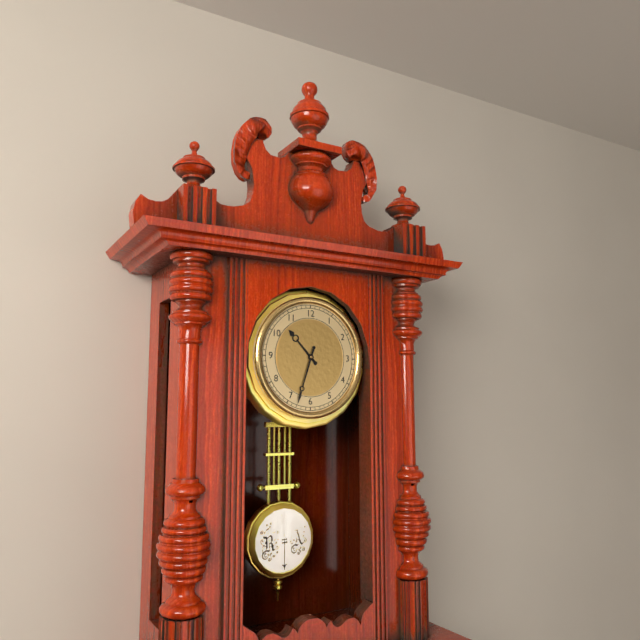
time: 10:33
